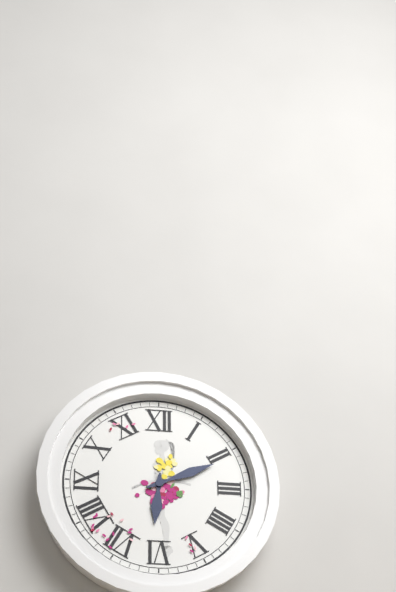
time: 6:11
